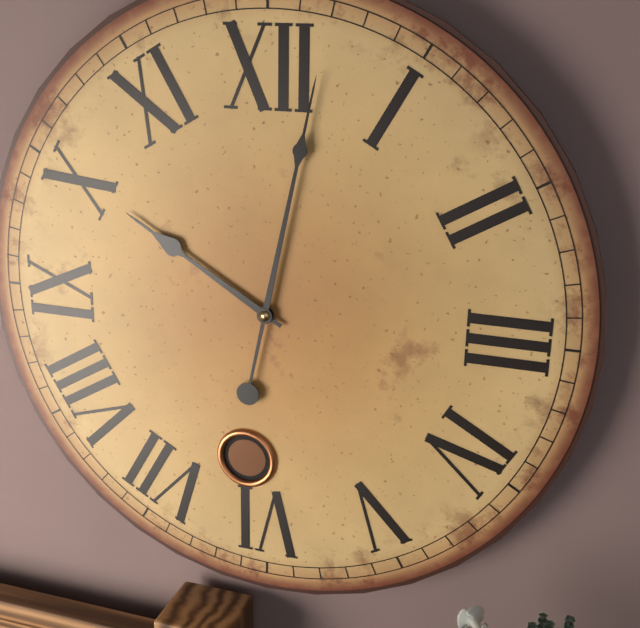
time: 10:02
